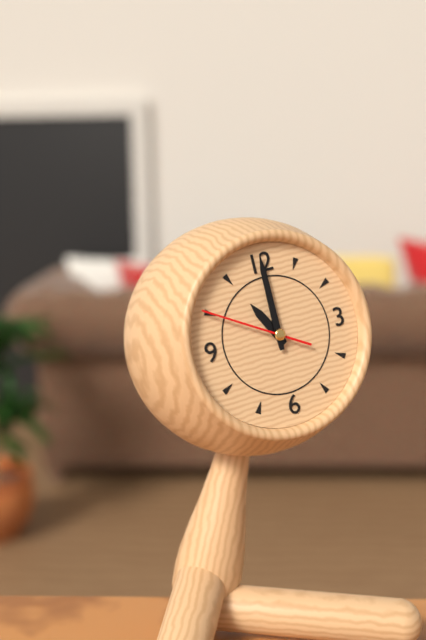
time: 11:00:50
